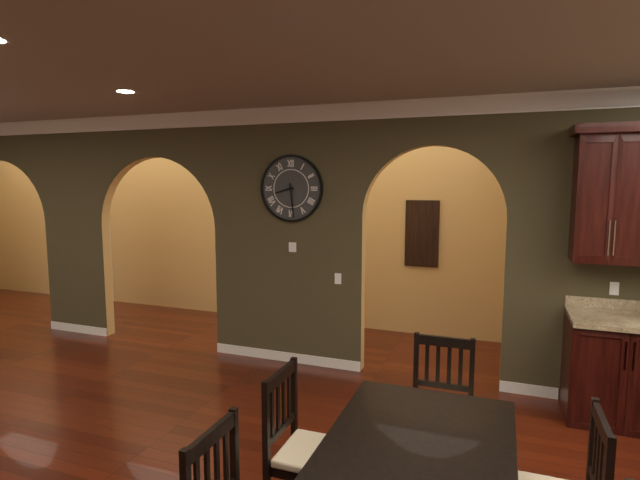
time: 8:29
